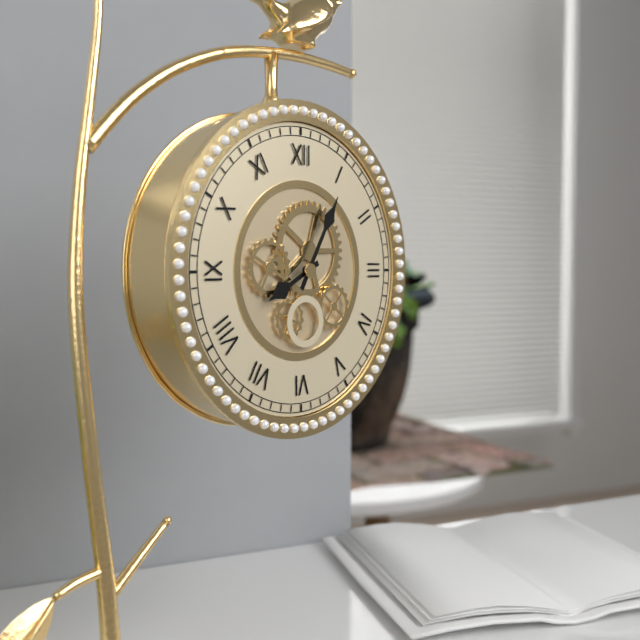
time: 8:05
